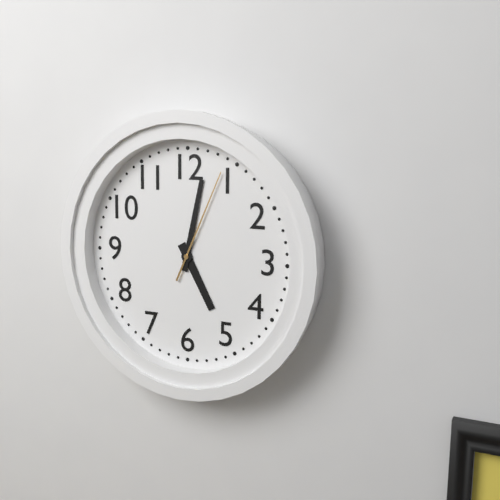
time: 5:02:04
